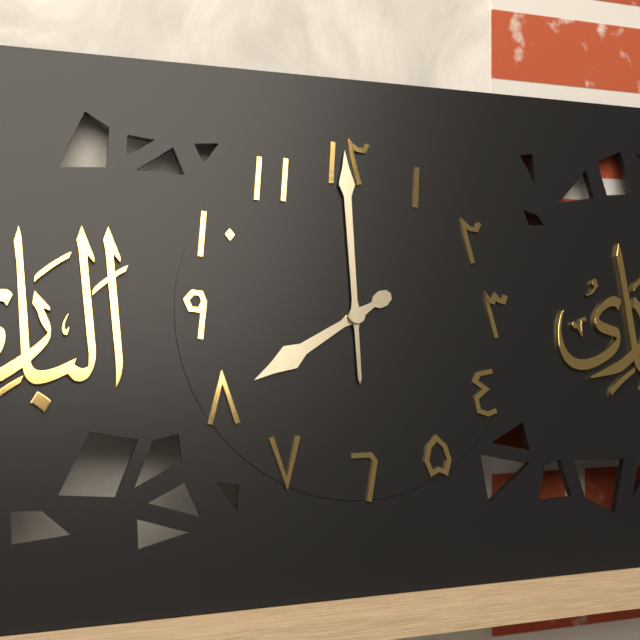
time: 8:00
